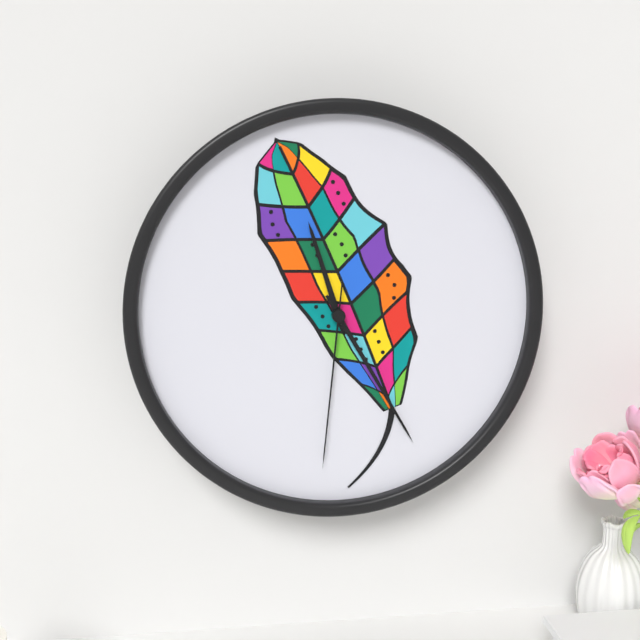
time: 11:25:31
